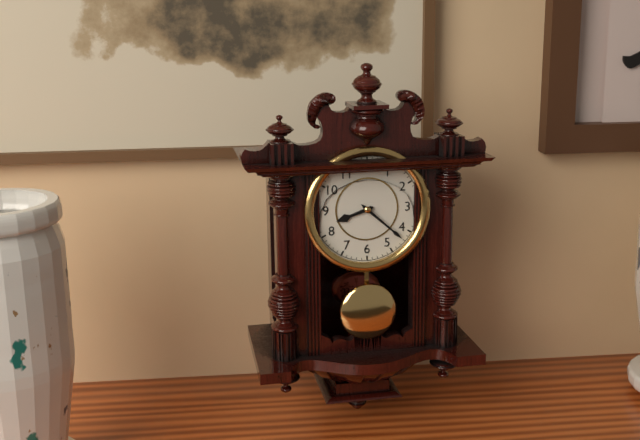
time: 8:22
